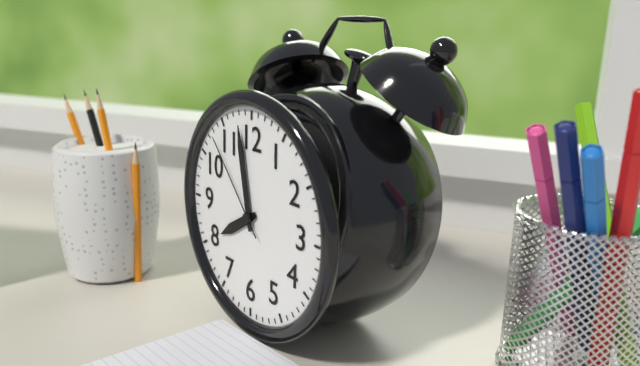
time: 7:58:53
